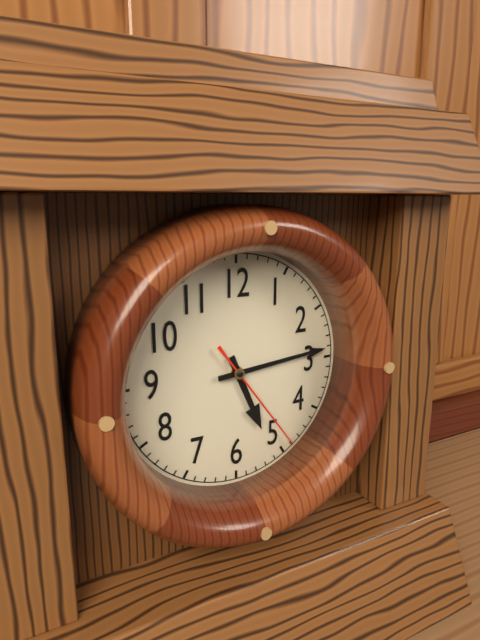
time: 5:14:24
